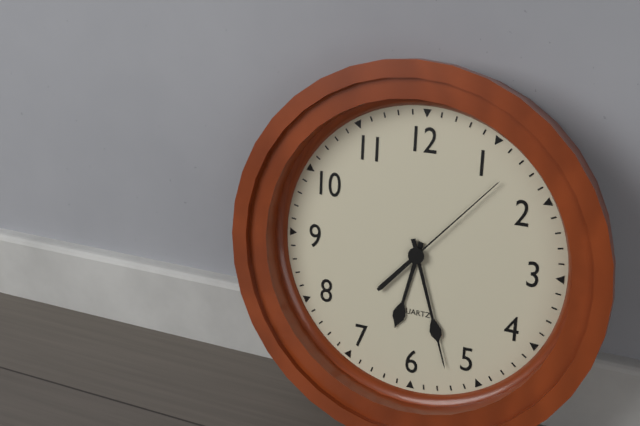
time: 6:27:07
